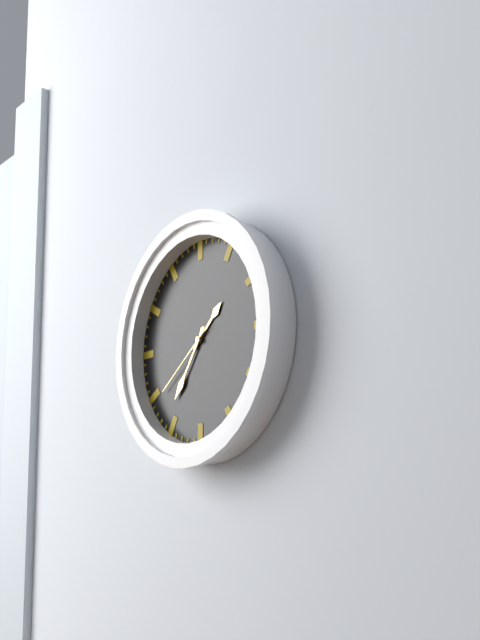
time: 1:36:39
